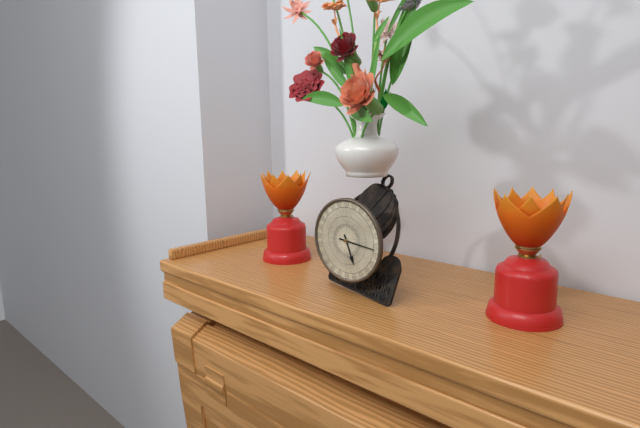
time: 5:16
